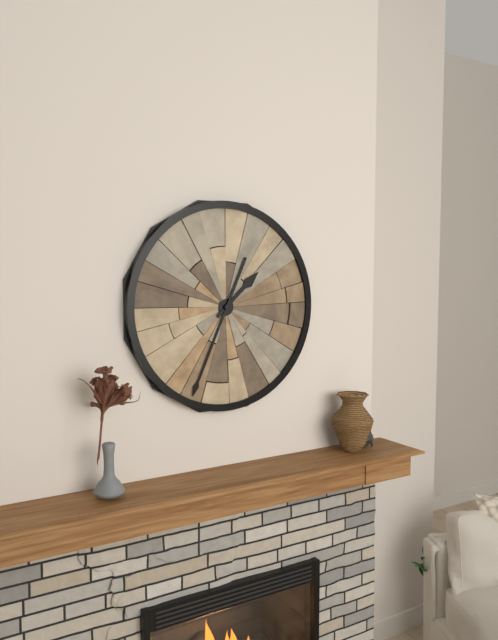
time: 1:34
